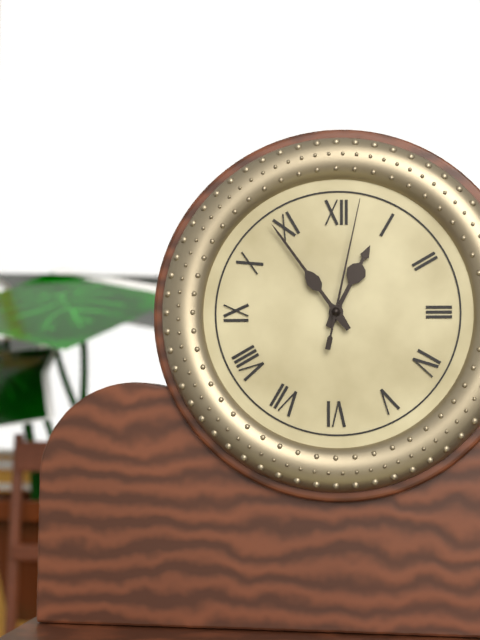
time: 12:54:02
